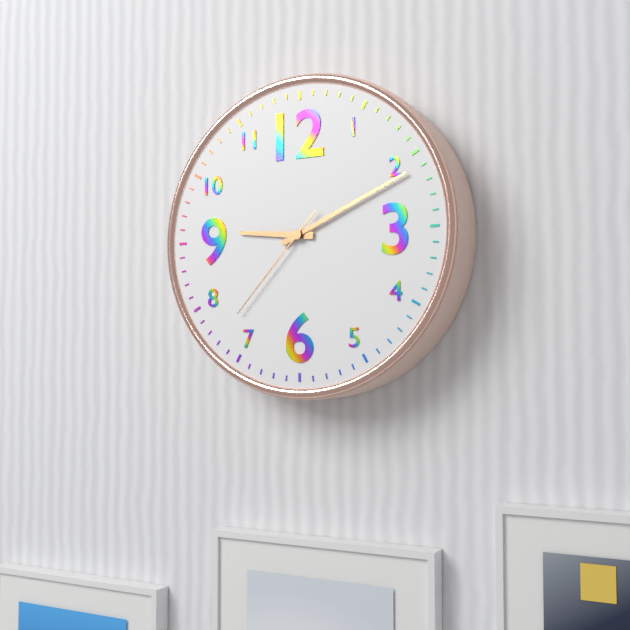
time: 9:11:37
